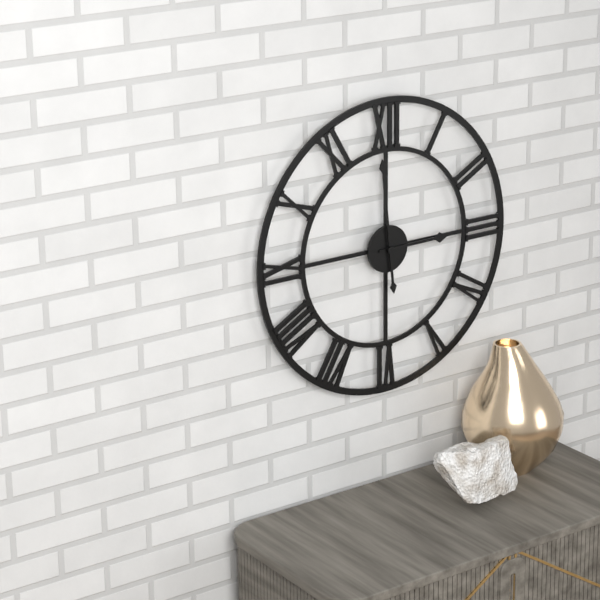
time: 2:59
